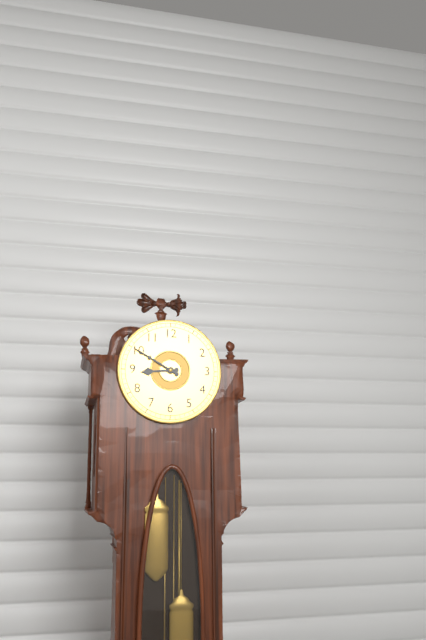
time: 8:50
